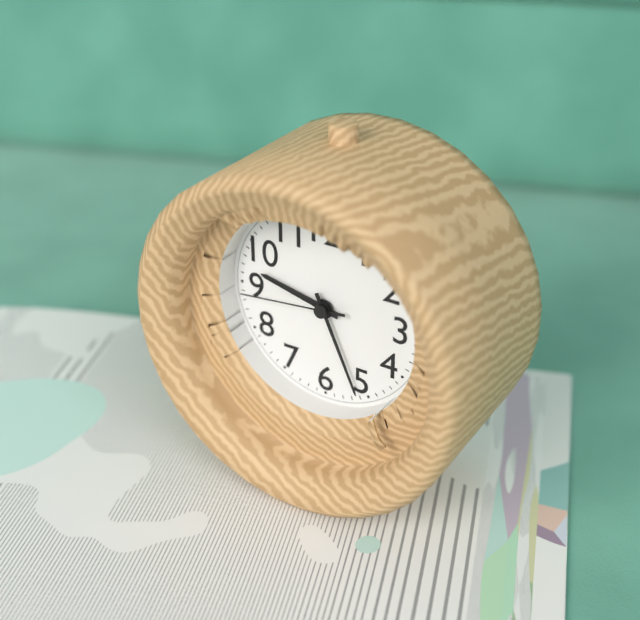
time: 9:26:44
